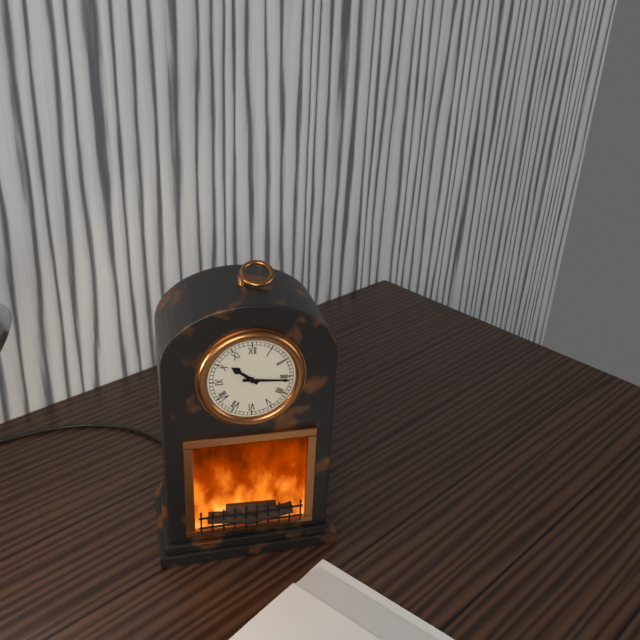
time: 10:16
